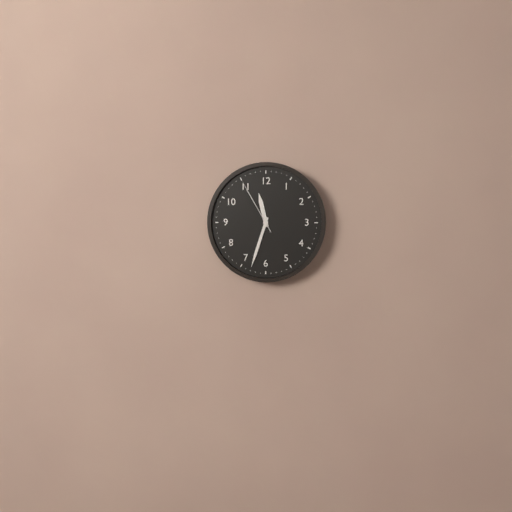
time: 11:33:55
